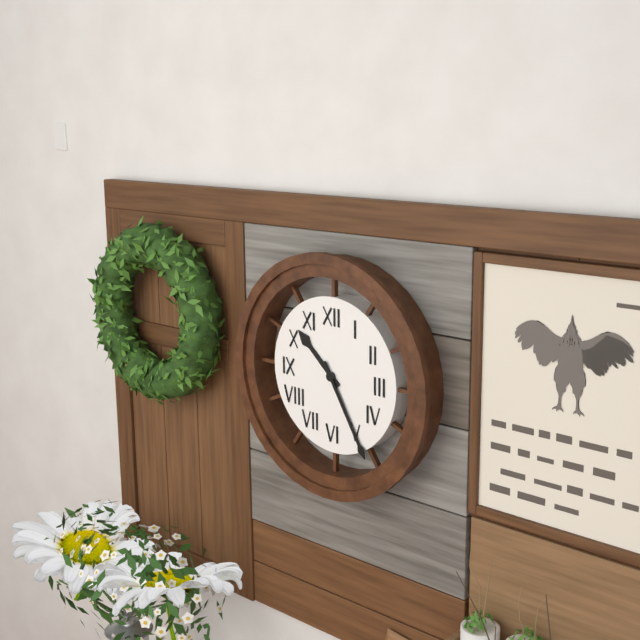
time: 10:25
